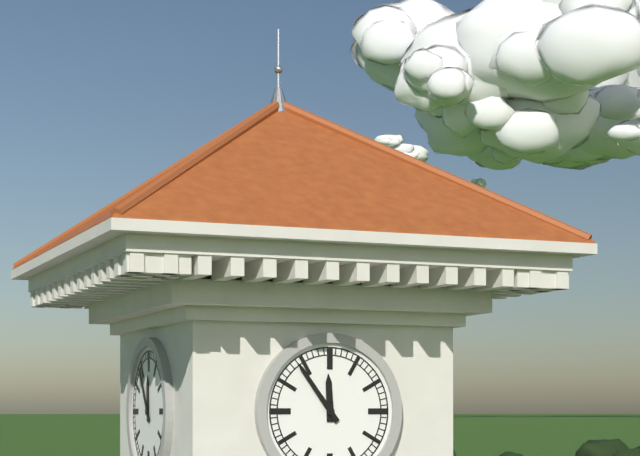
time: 11:54
